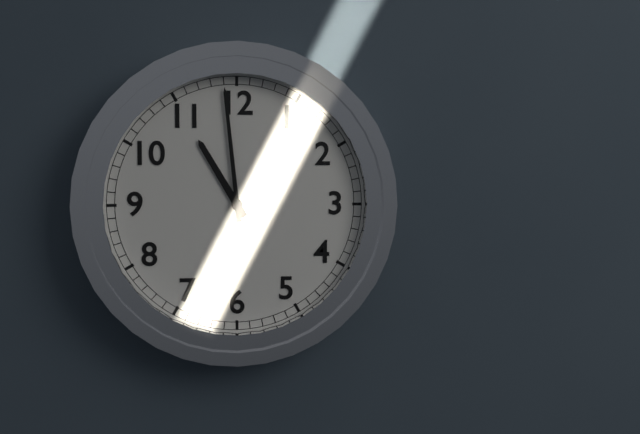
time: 10:59
